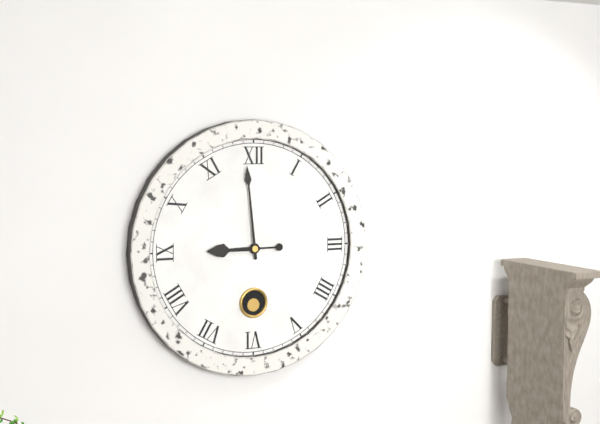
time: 8:59
